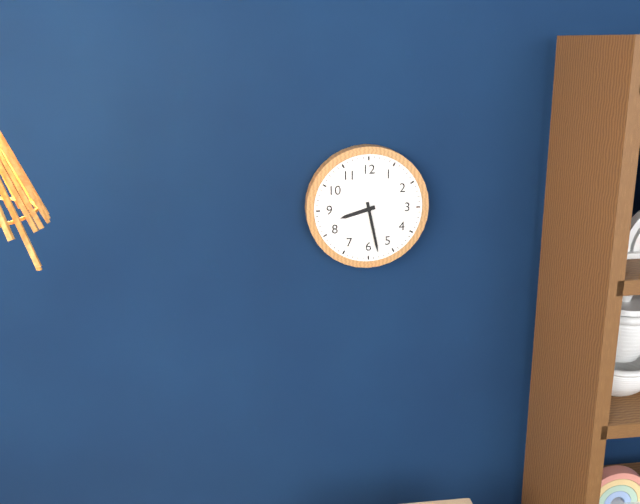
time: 8:28
